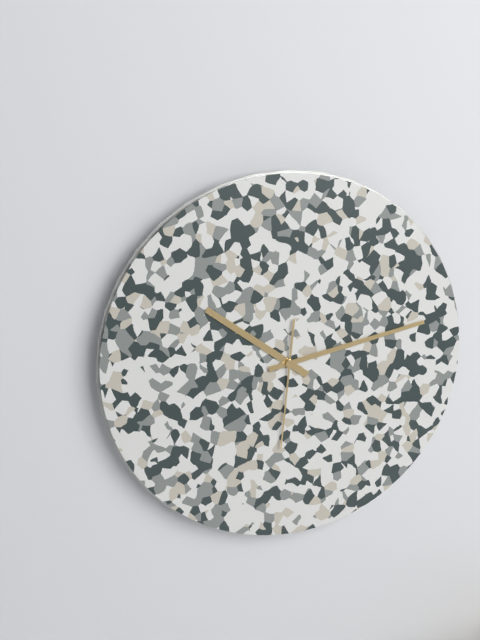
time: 10:13:31
